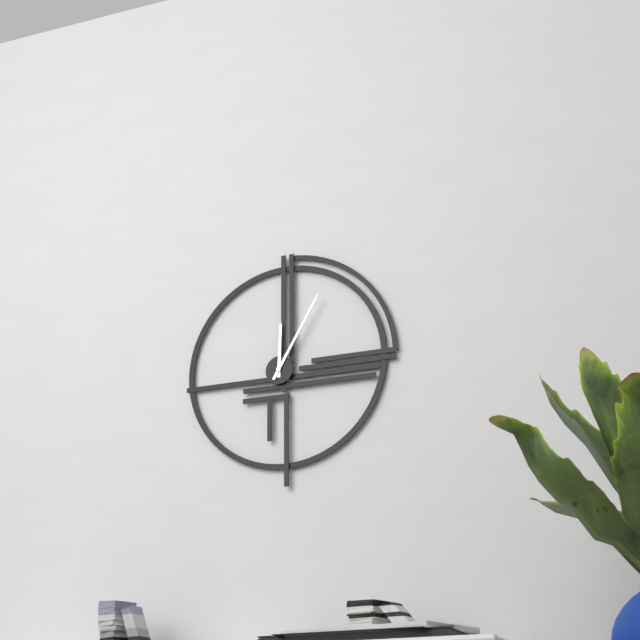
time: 12:05
